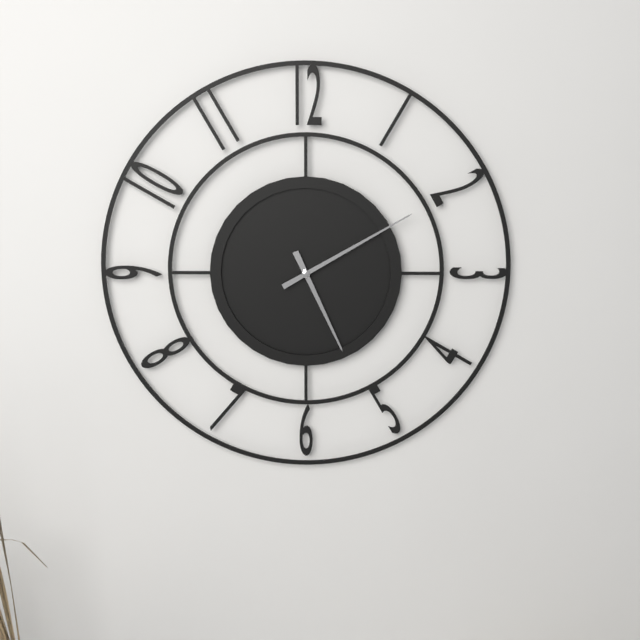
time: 5:10
